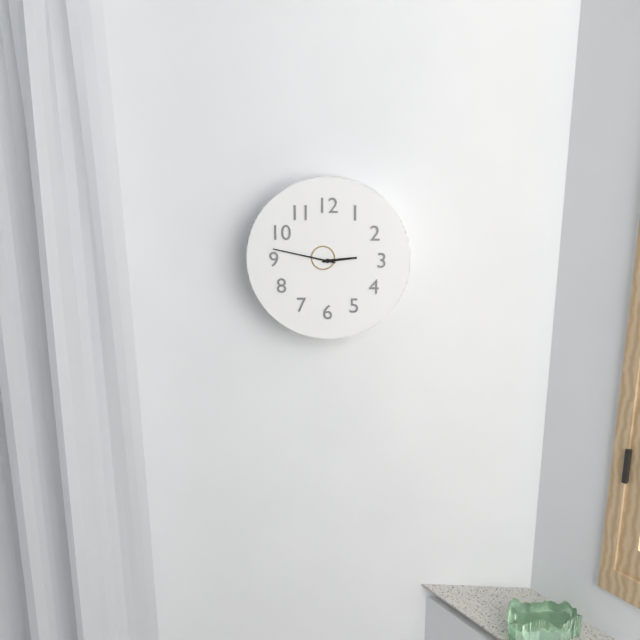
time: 2:47
